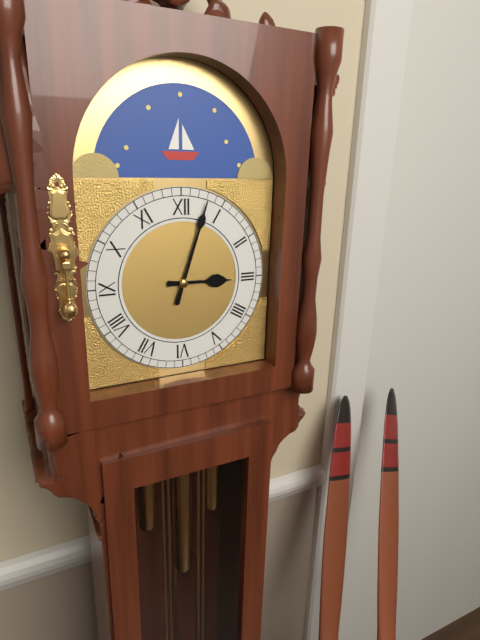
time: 3:03
